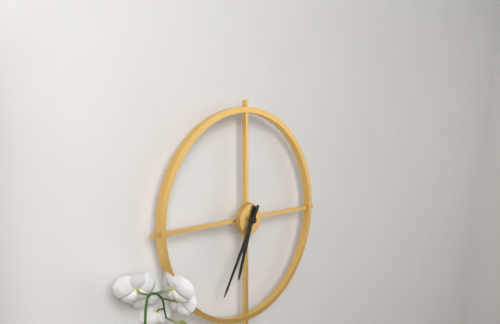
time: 6:35
